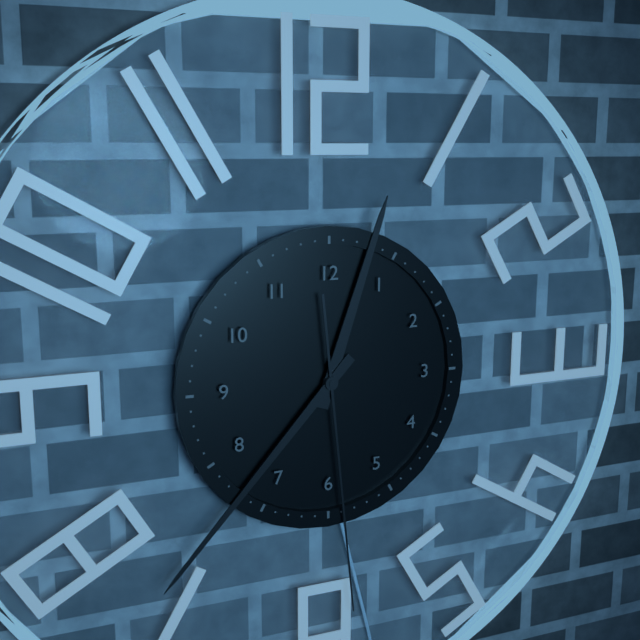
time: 12:37:29
